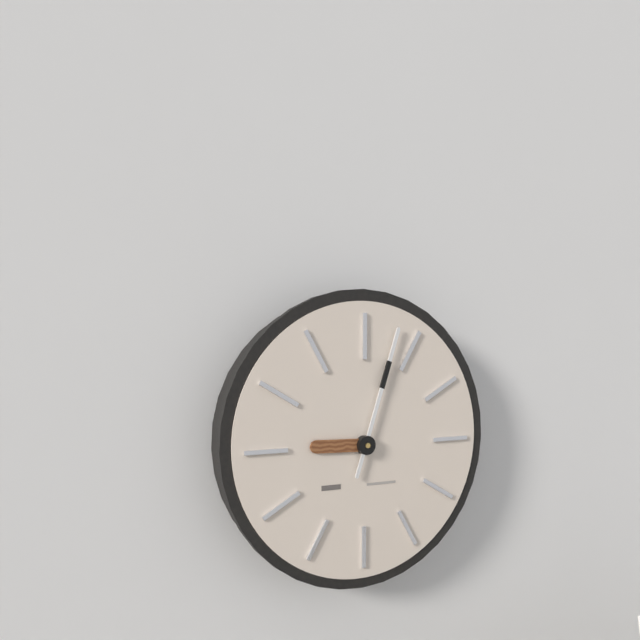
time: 9:03
